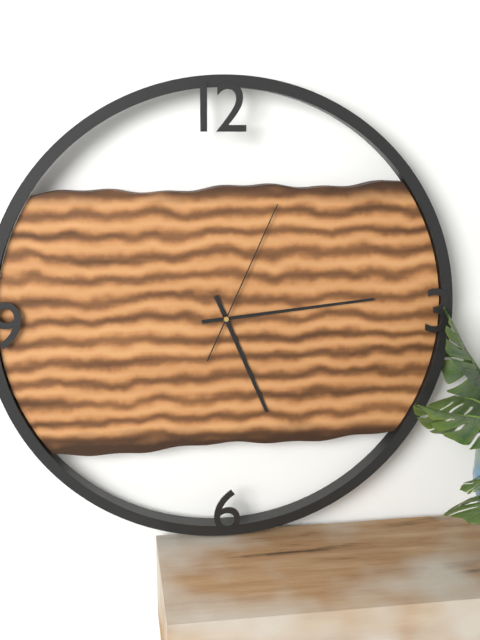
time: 5:14:04
